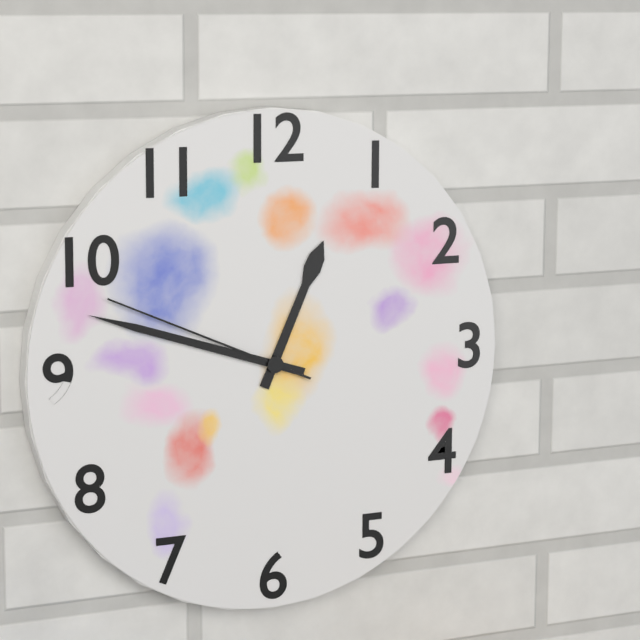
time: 12:48:49
